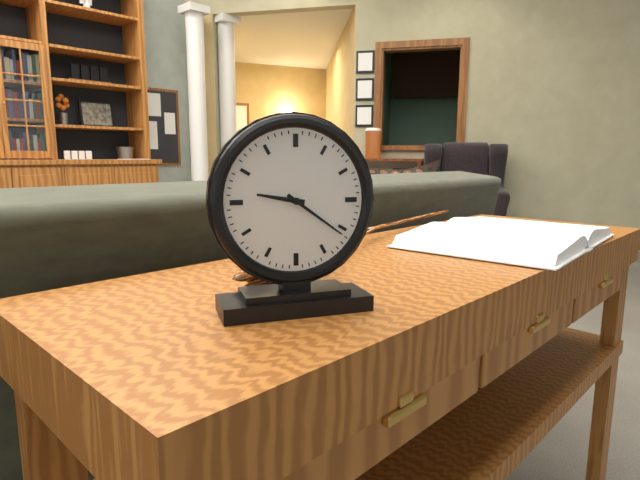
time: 9:21
